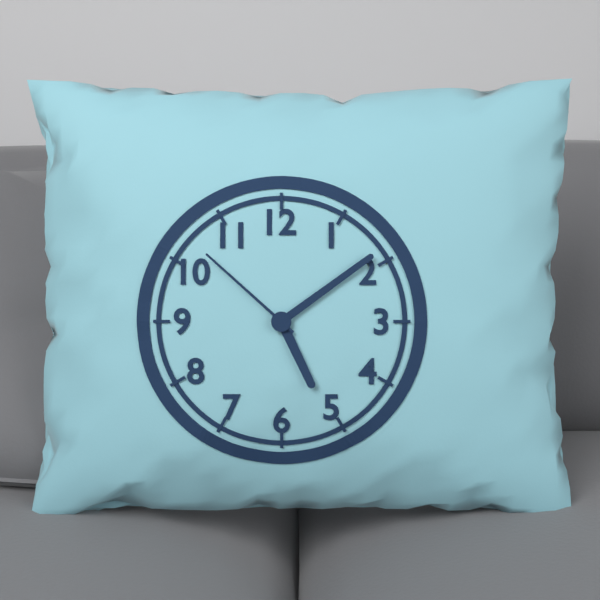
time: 5:09:52
